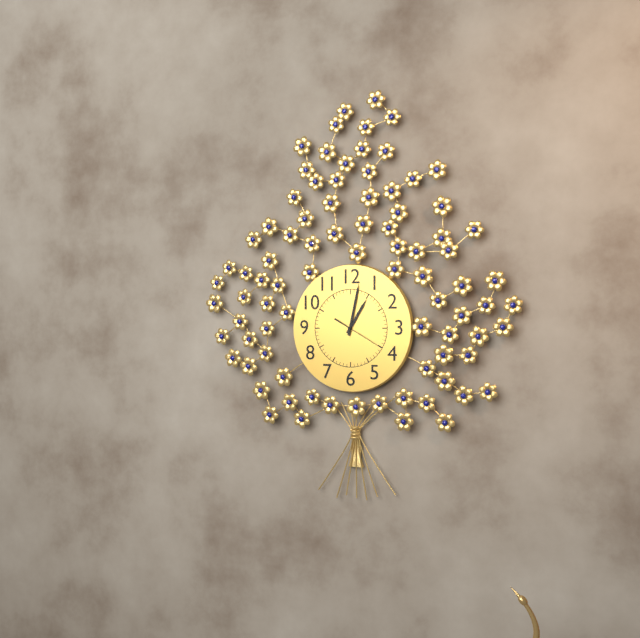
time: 1:02
